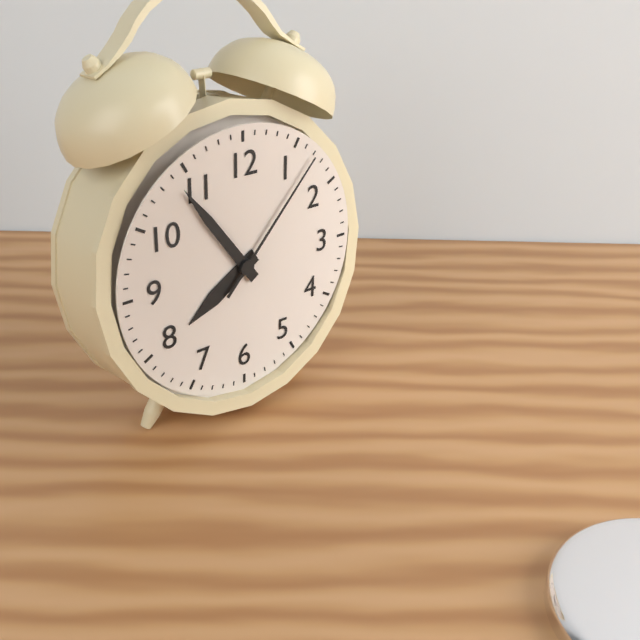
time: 7:54:07
